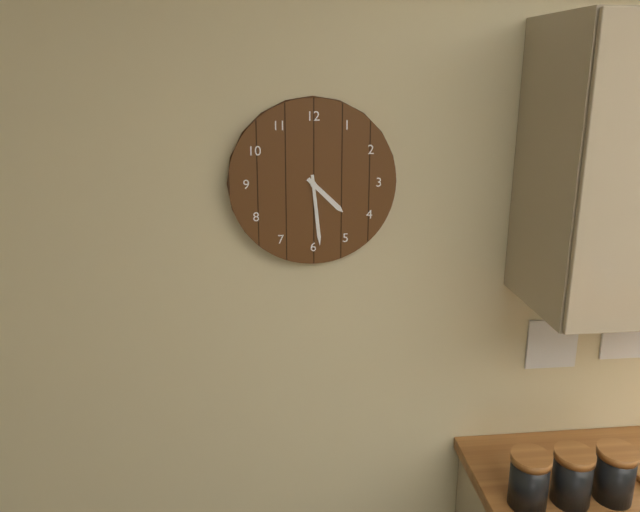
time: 4:29
